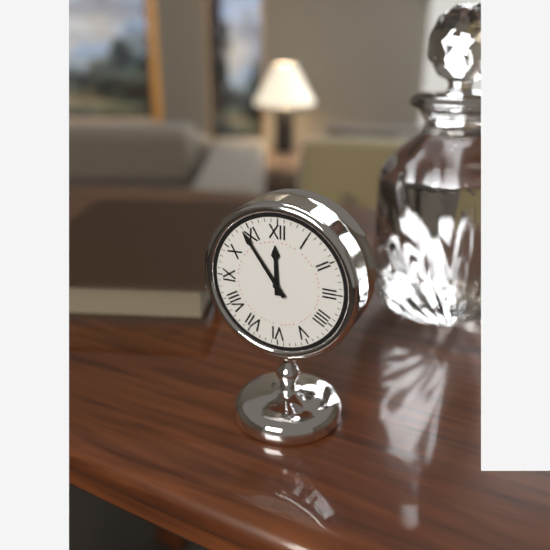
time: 11:54
